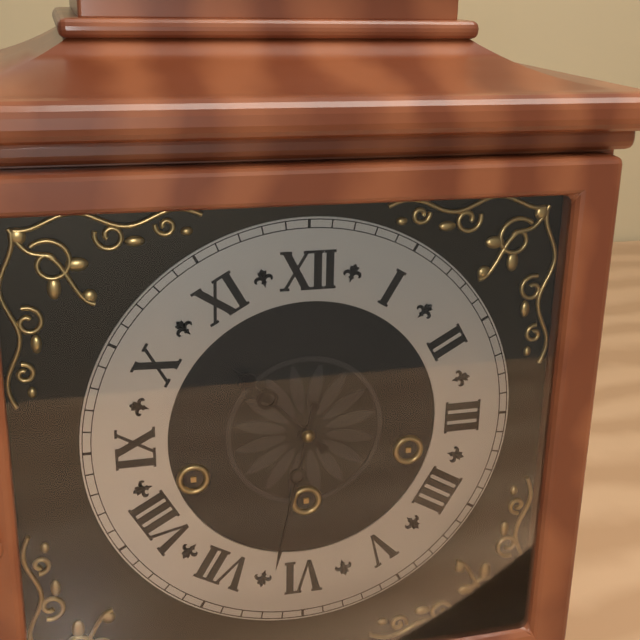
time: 10:32
